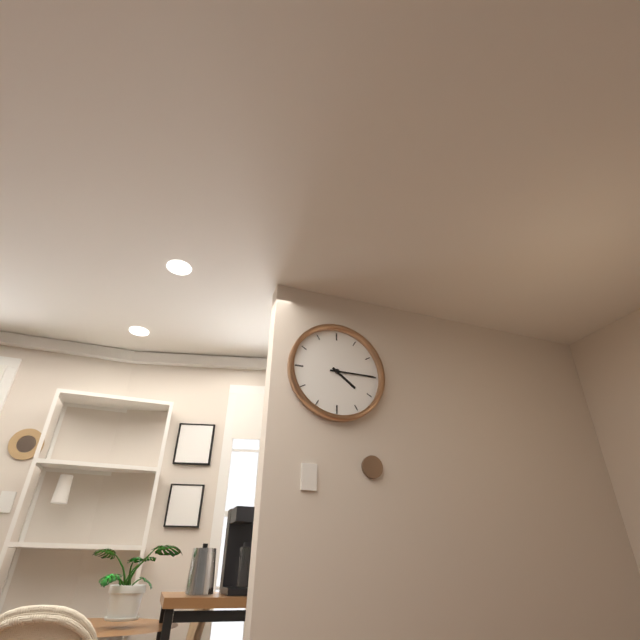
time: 4:15
